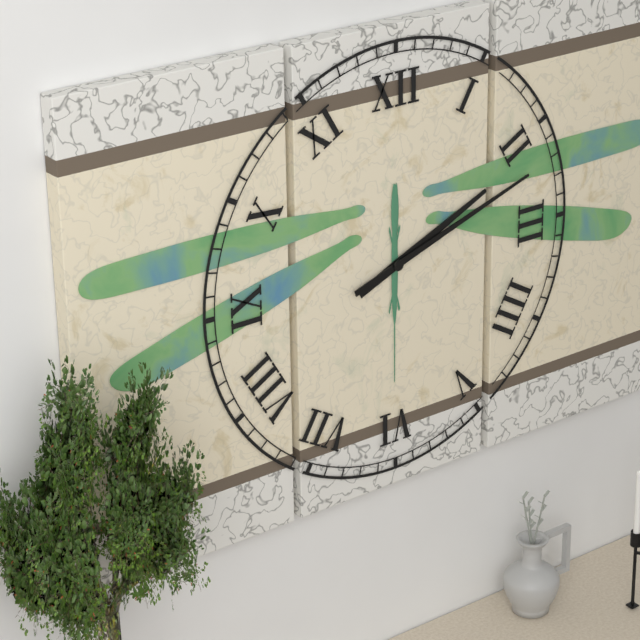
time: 2:12
